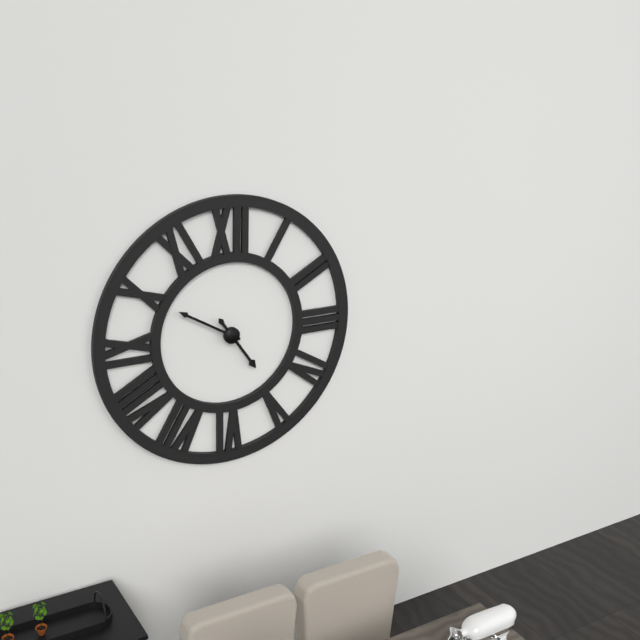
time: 4:50
